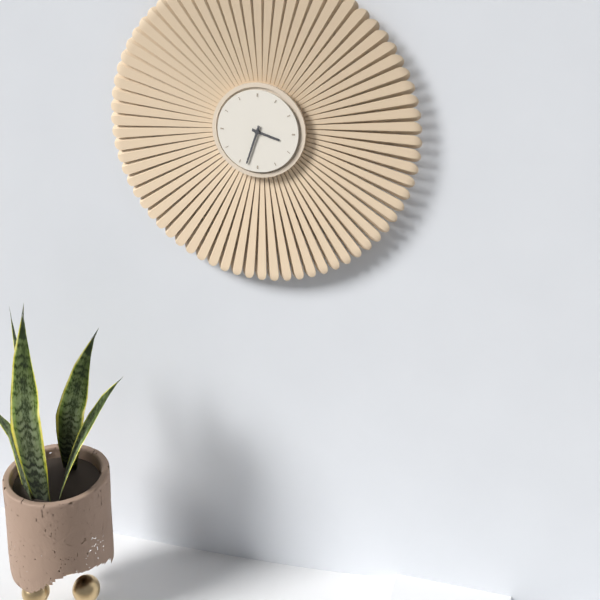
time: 3:33
